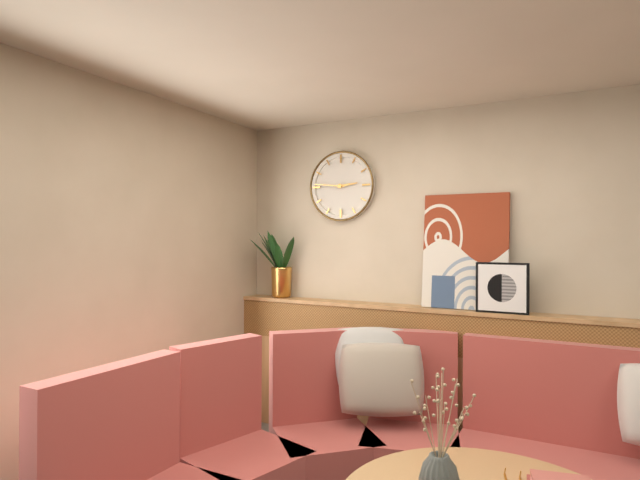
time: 2:46
